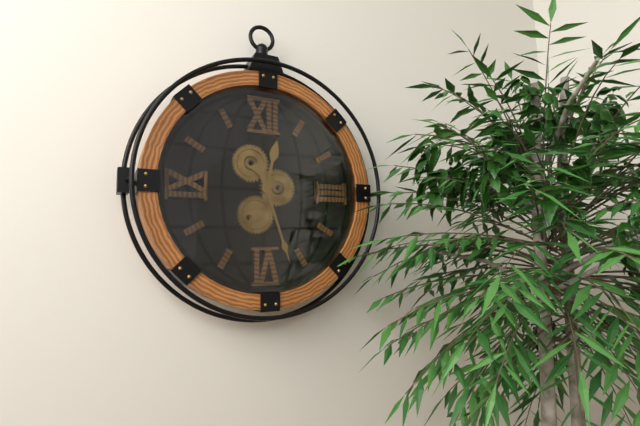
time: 12:27
